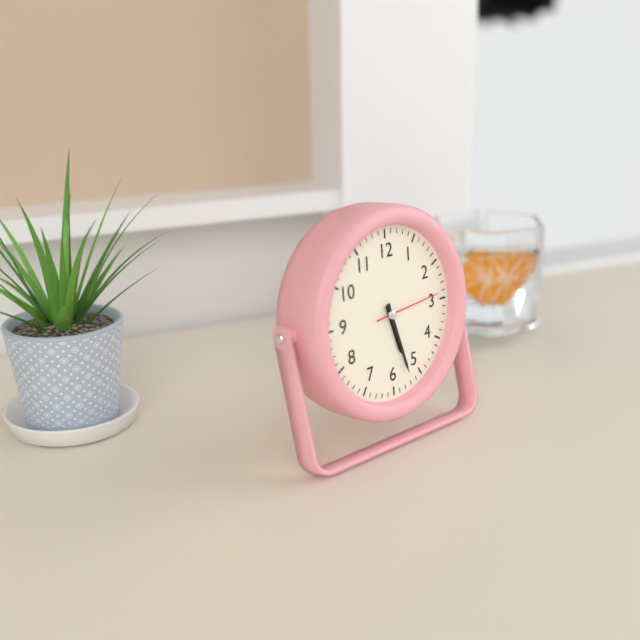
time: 5:27:14
